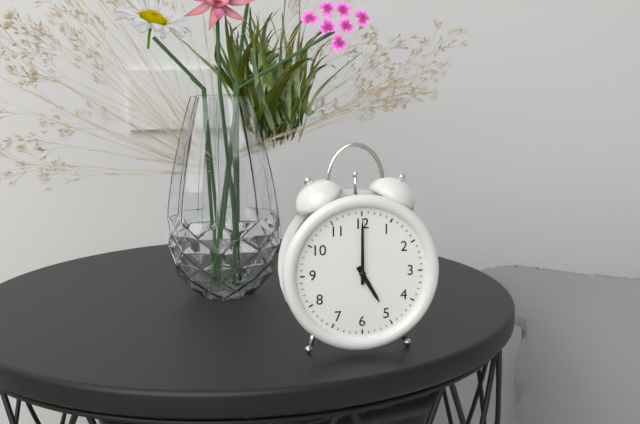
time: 5:00
